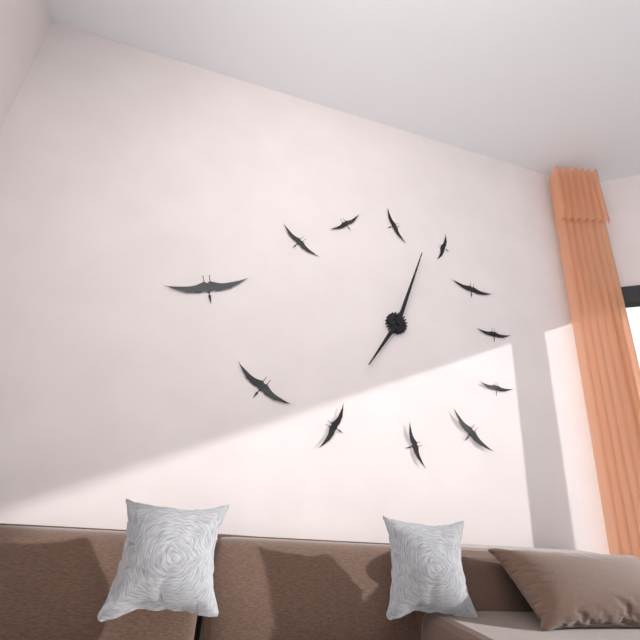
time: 7:03
